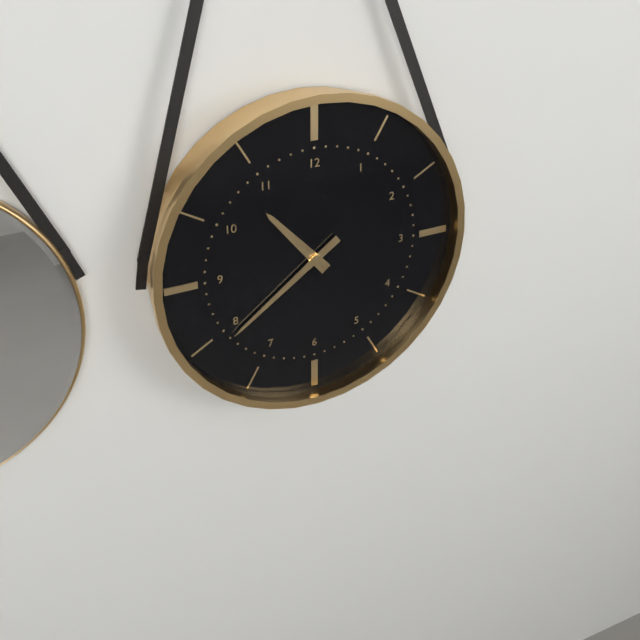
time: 10:39
